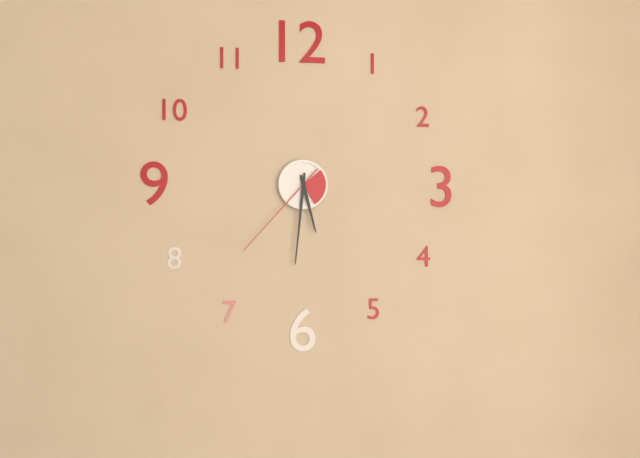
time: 5:31:37
